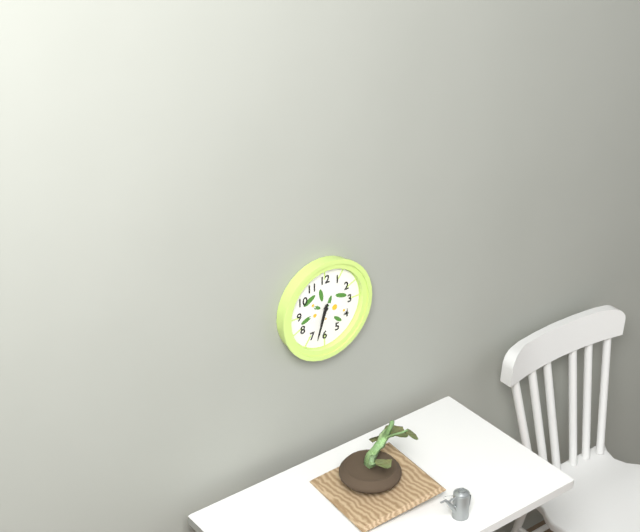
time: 6:33
